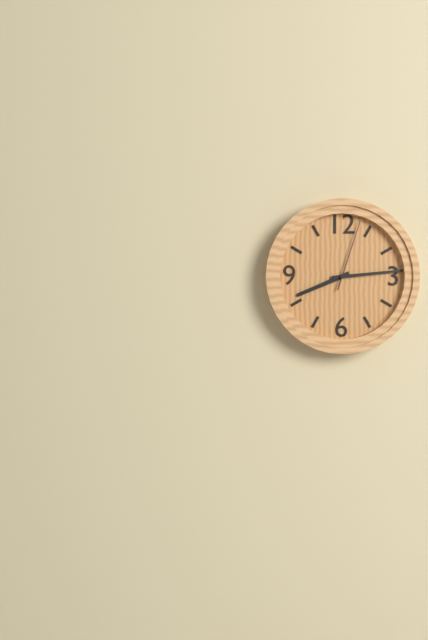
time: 8:14:03
